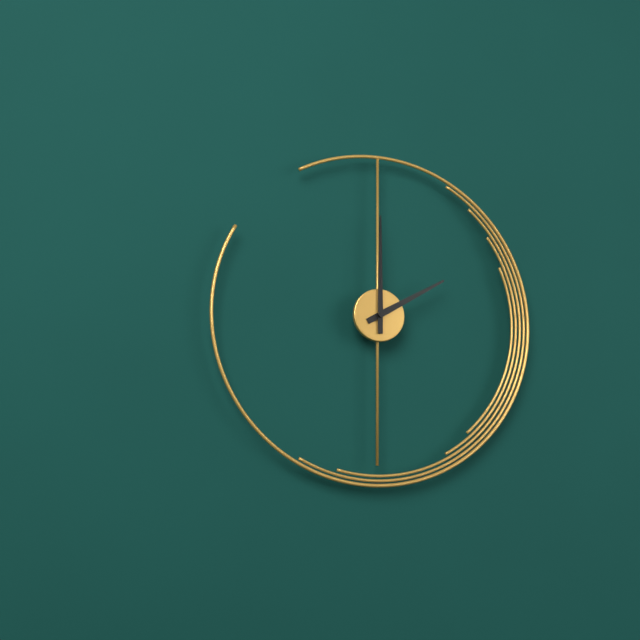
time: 2:00
